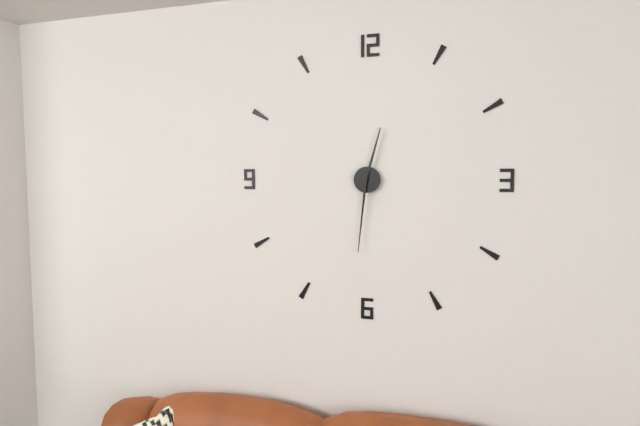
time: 12:31
